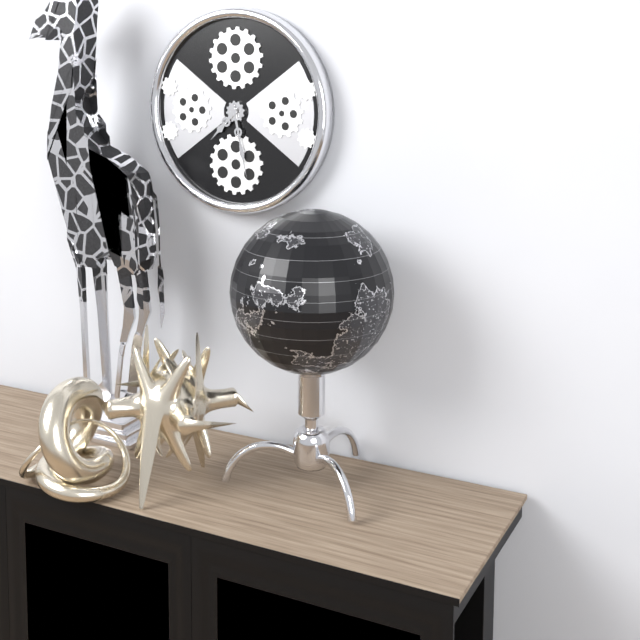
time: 7:28
